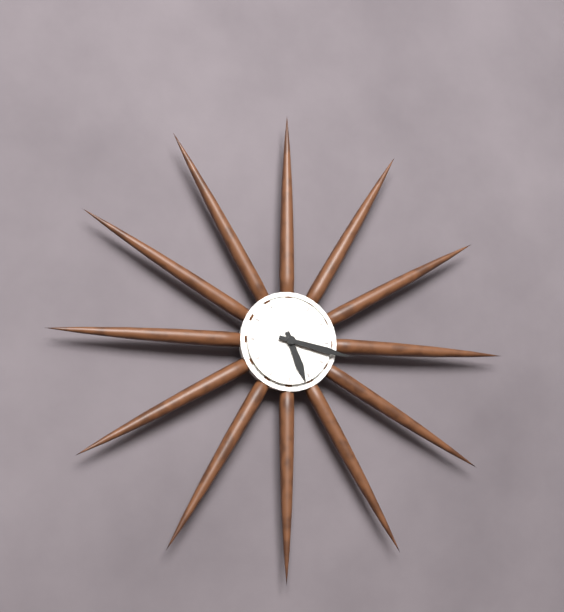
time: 5:17
